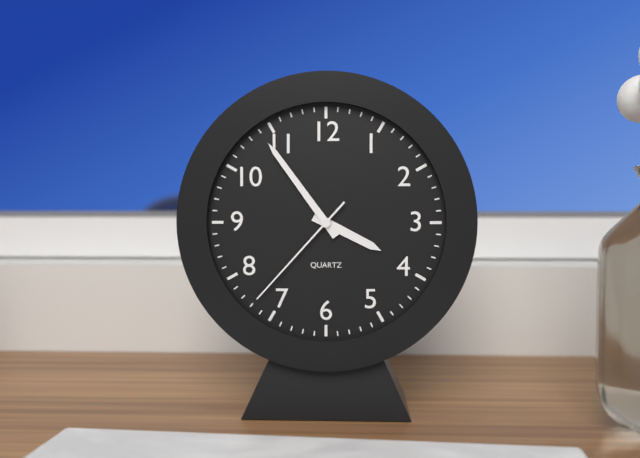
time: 3:54:37
